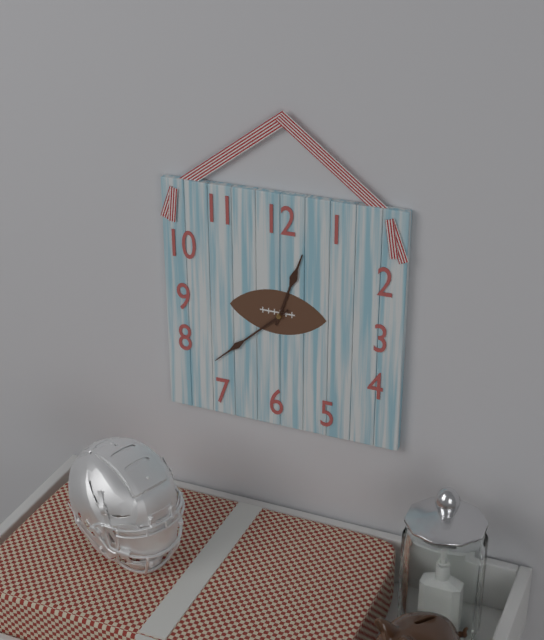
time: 12:38
